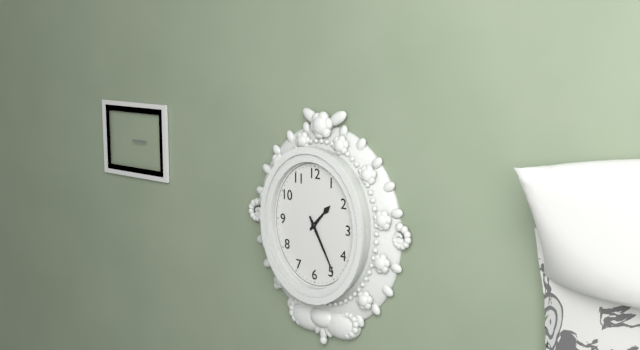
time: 1:25
